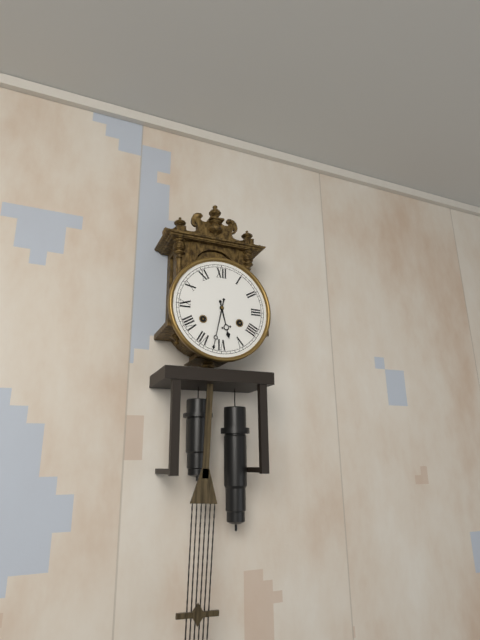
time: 5:32
